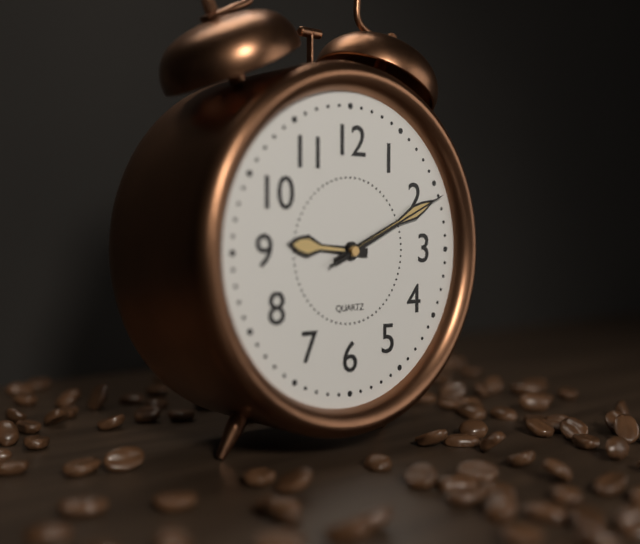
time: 9:11:11
